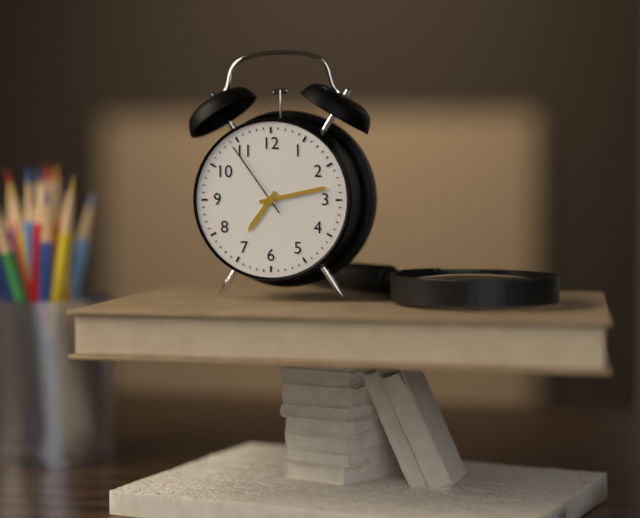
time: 7:13:54
